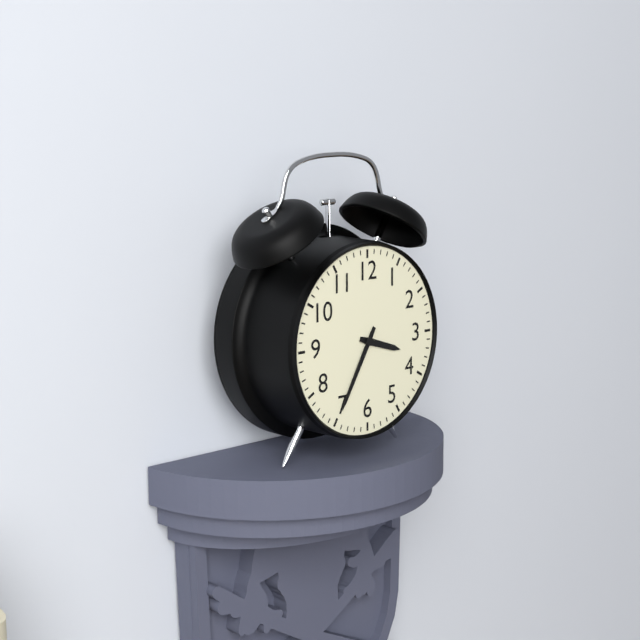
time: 3:35
